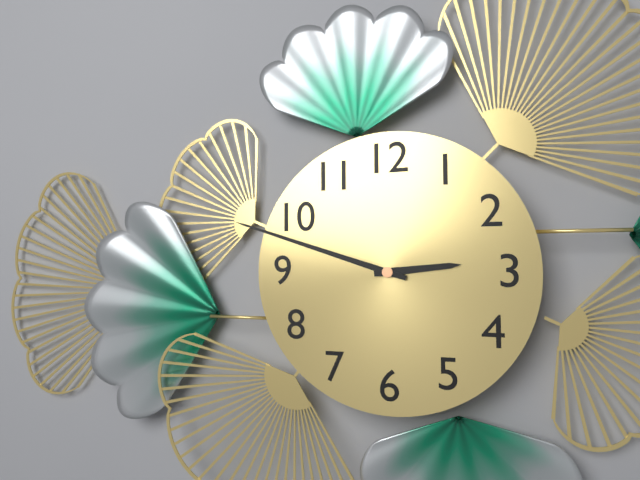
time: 2:48
